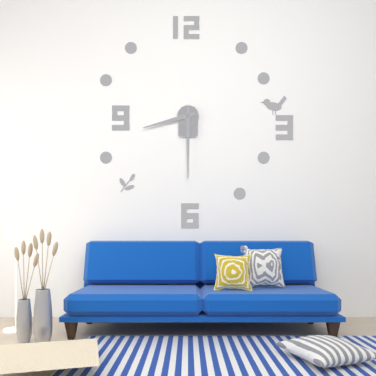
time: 8:30
